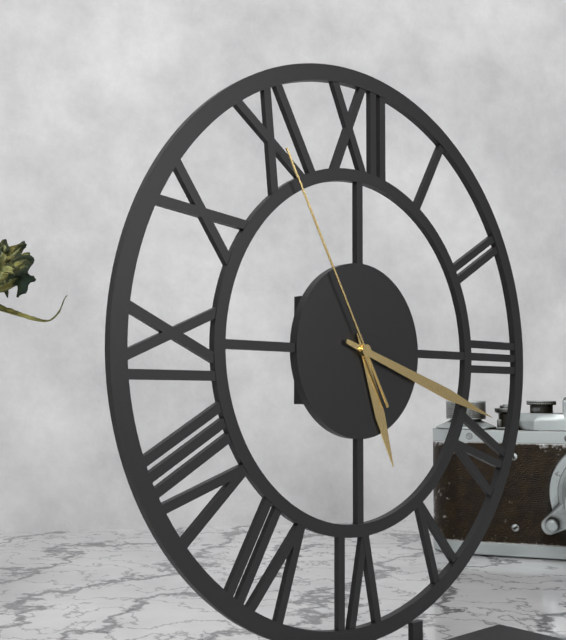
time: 5:18:55
